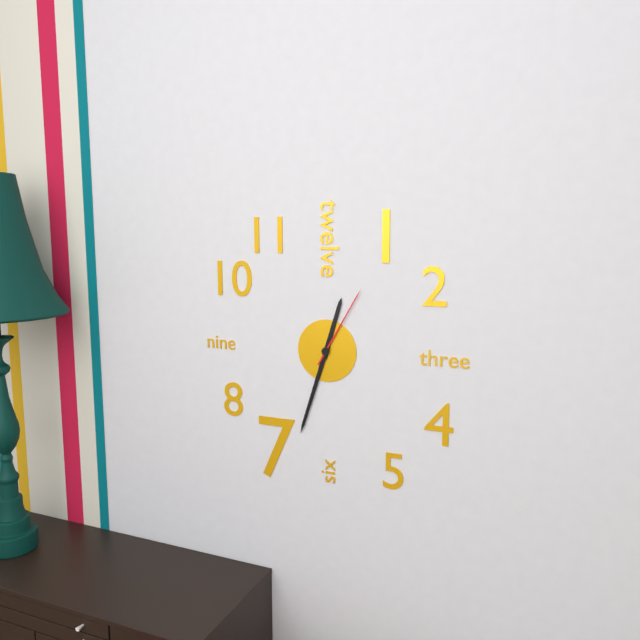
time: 12:33:05
